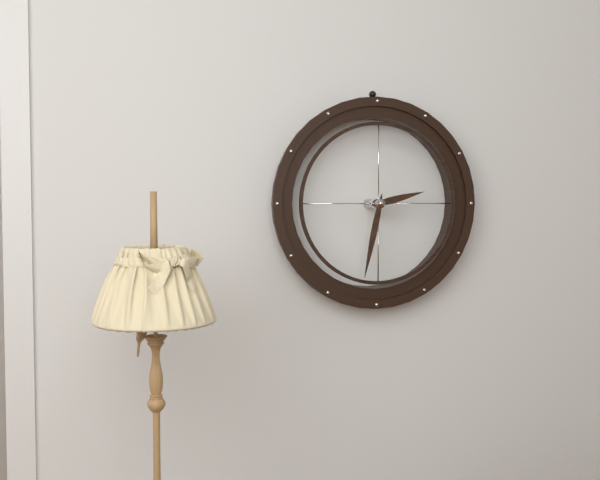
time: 2:32
